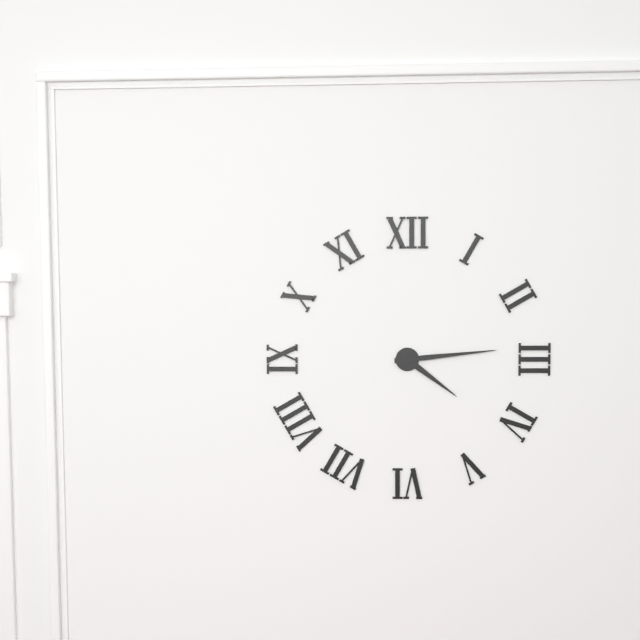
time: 4:14
